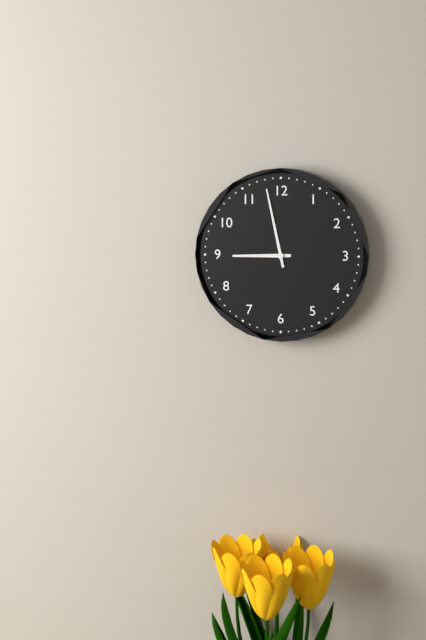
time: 8:58
